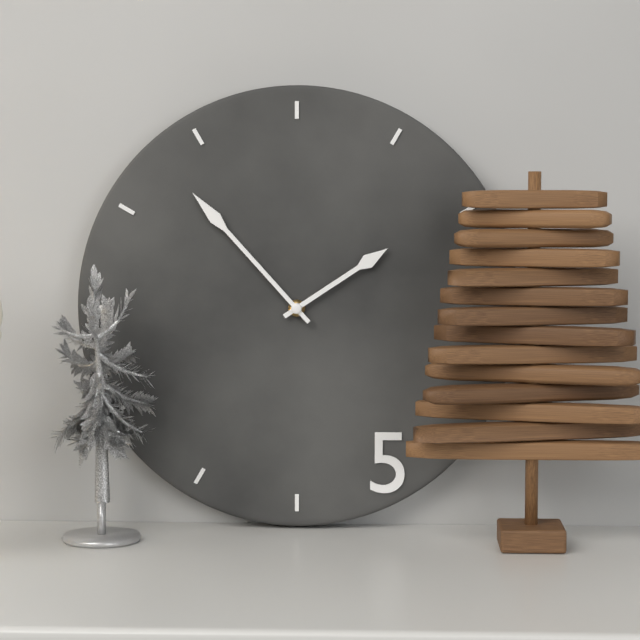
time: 1:53
